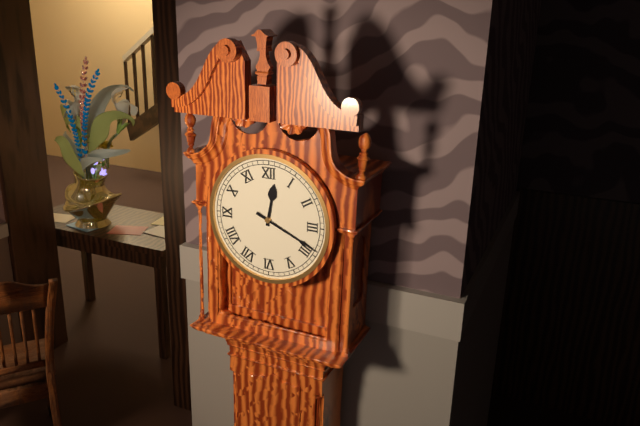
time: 12:19
